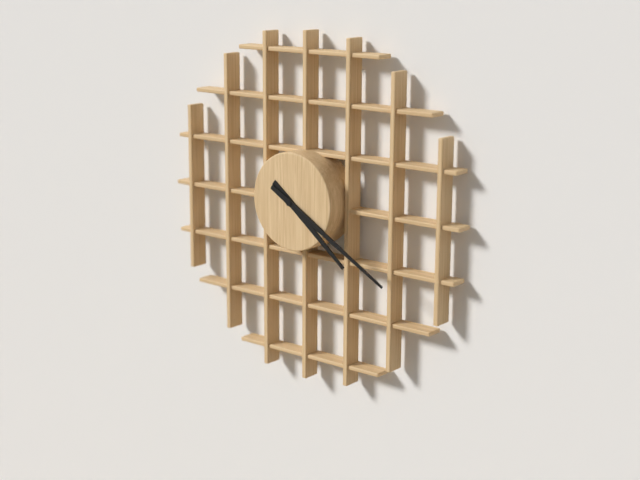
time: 4:20
